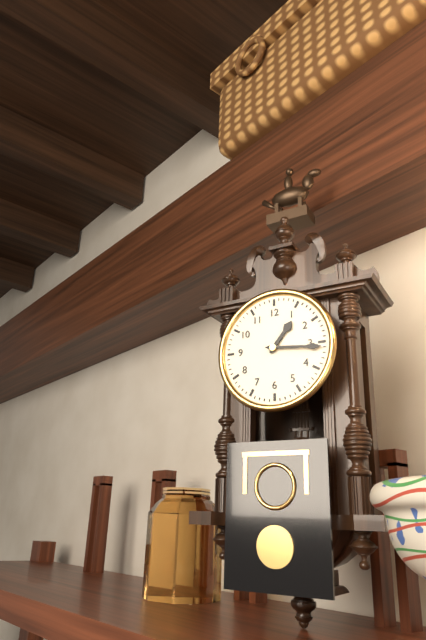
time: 1:16
